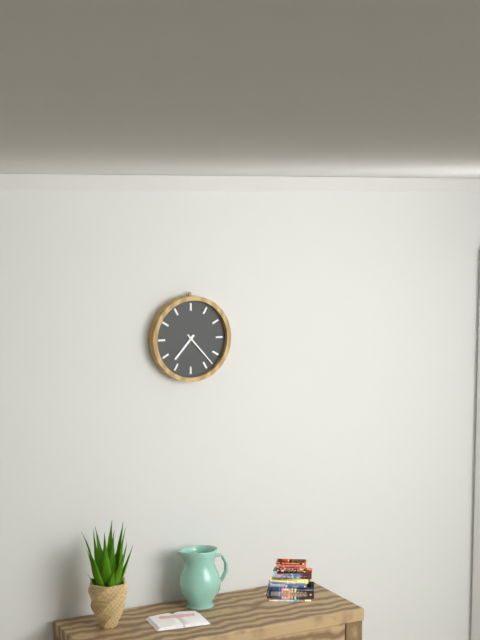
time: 7:23
